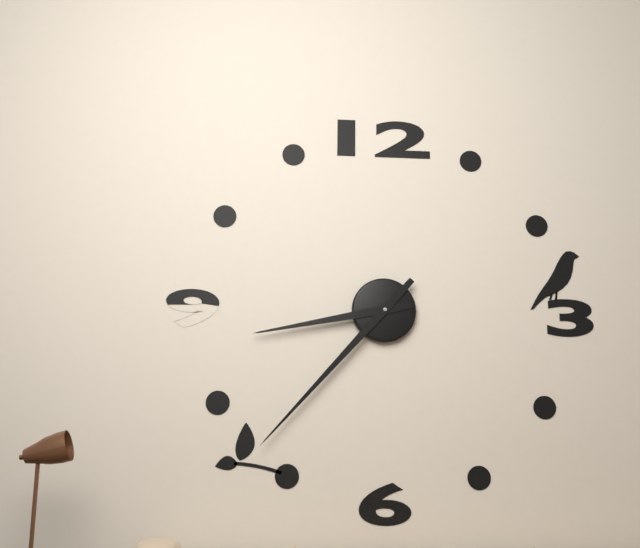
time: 8:37
